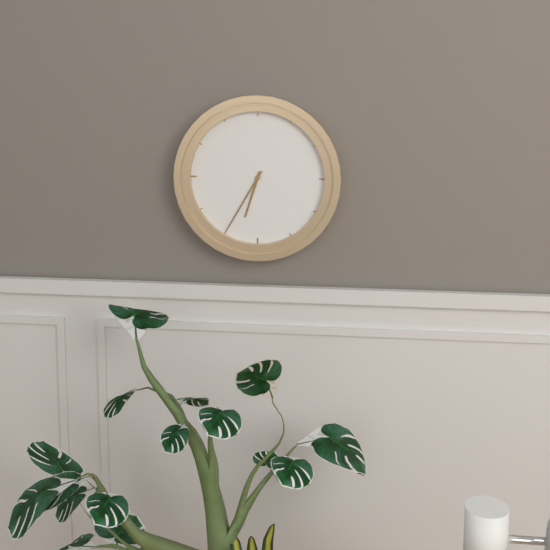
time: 6:35
